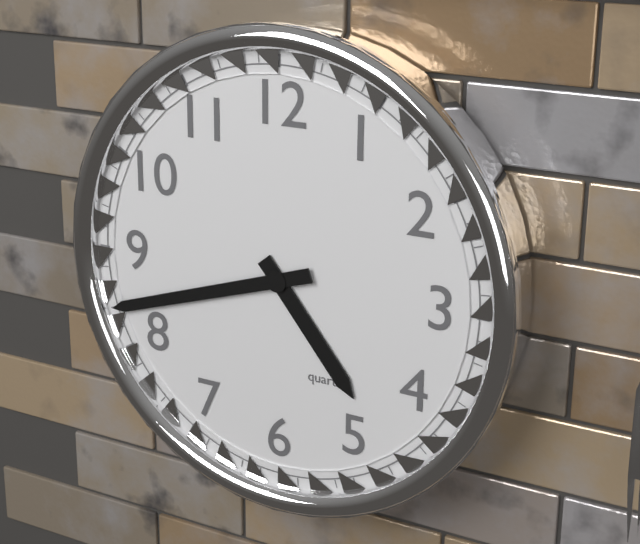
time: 4:42
